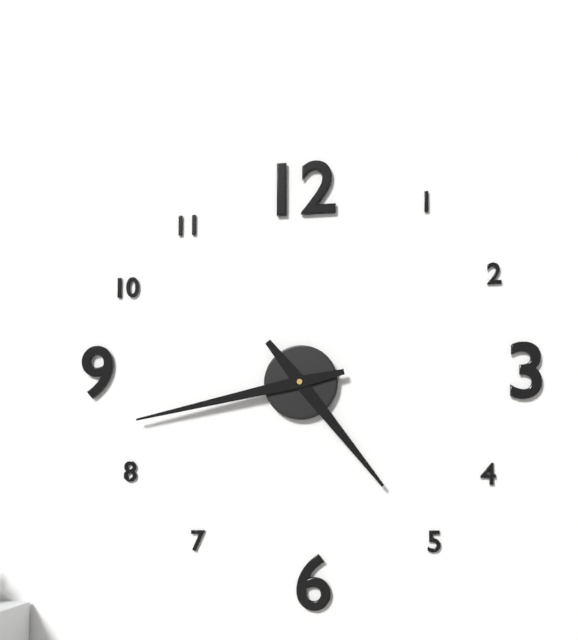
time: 4:43
